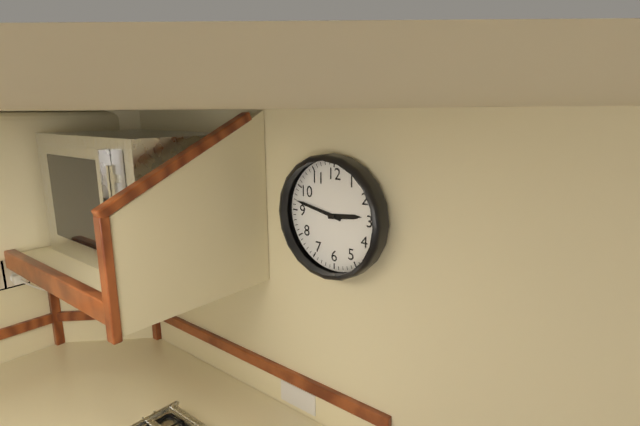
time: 2:47
